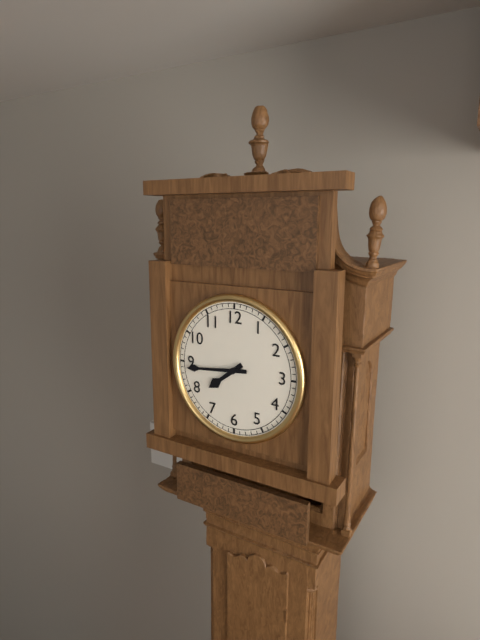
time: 7:44
